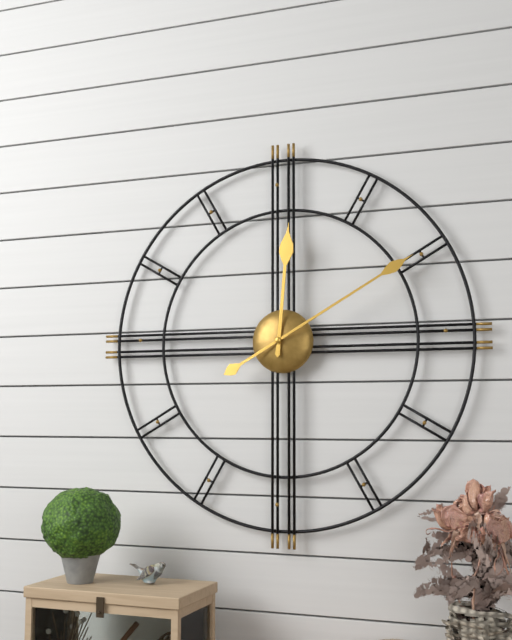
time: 12:10
